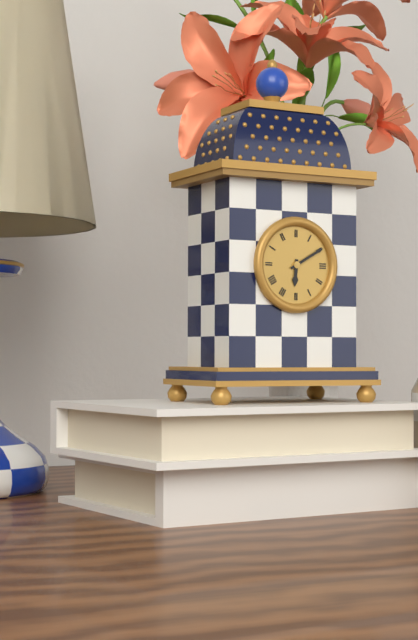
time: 6:10
